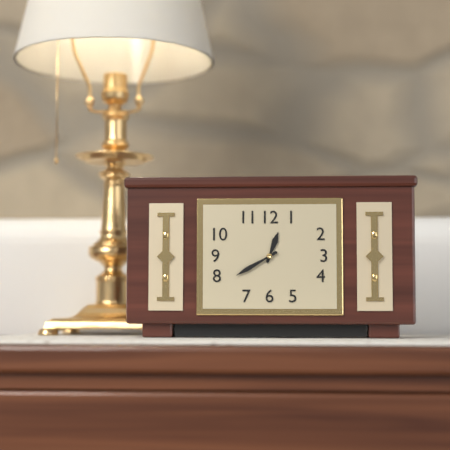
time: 12:40
